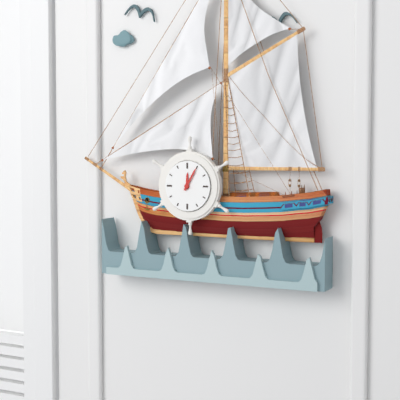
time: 12:05
